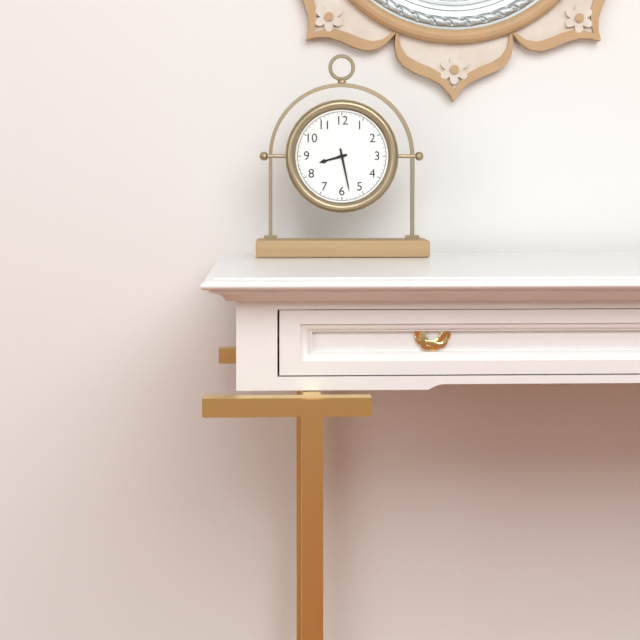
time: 8:28
